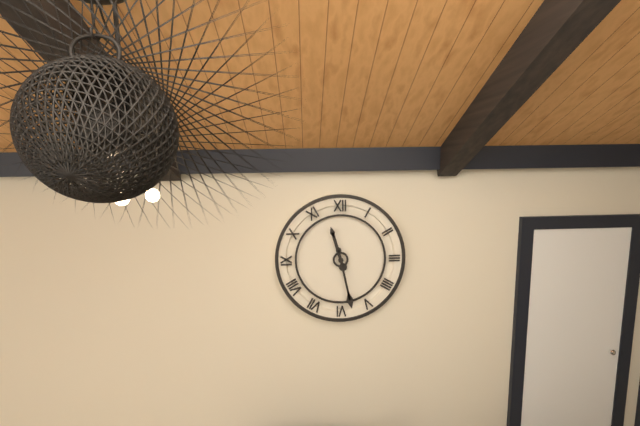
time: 11:28
